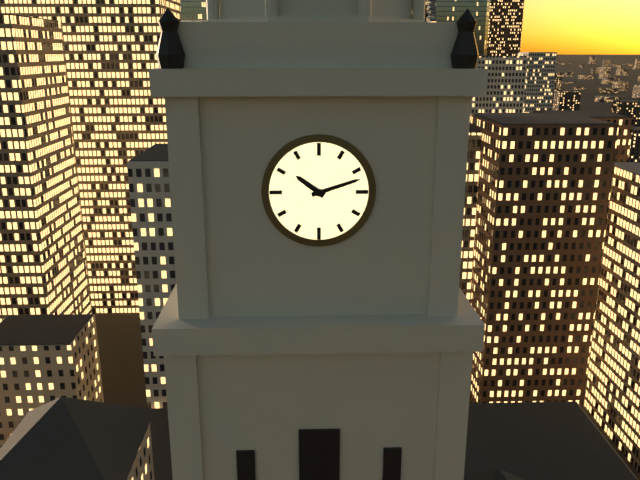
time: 10:12
